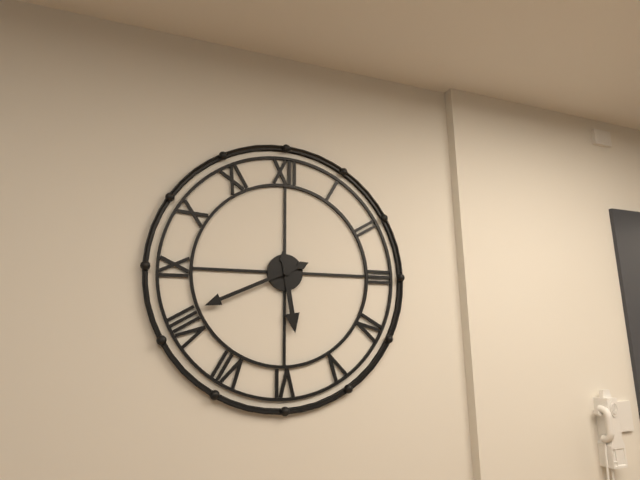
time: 5:41
